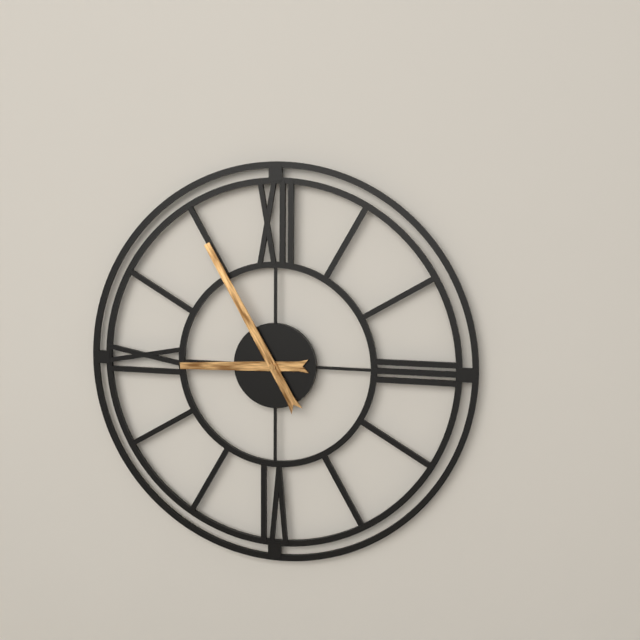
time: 8:55
